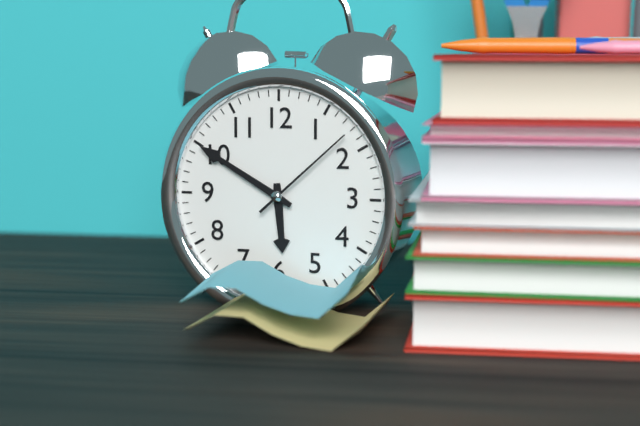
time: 5:50:08
